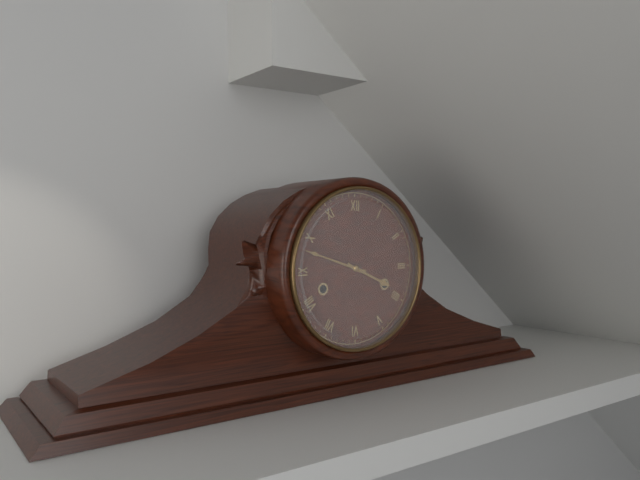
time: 3:48
